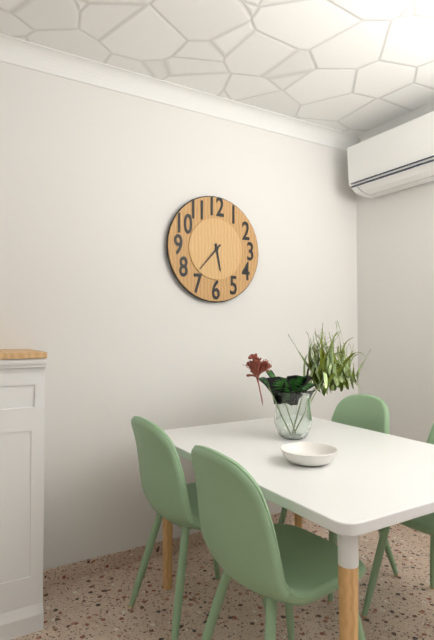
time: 5:37
